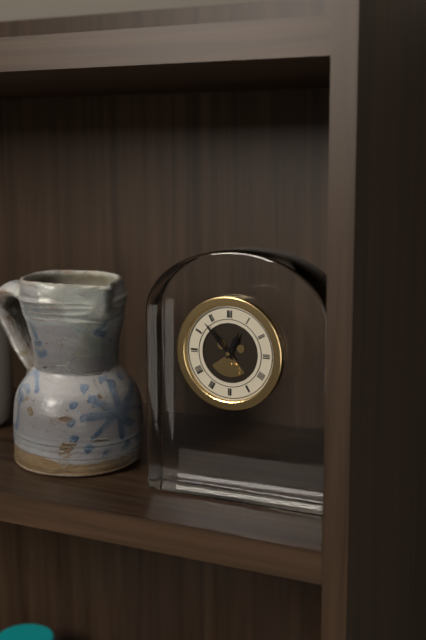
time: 12:53
